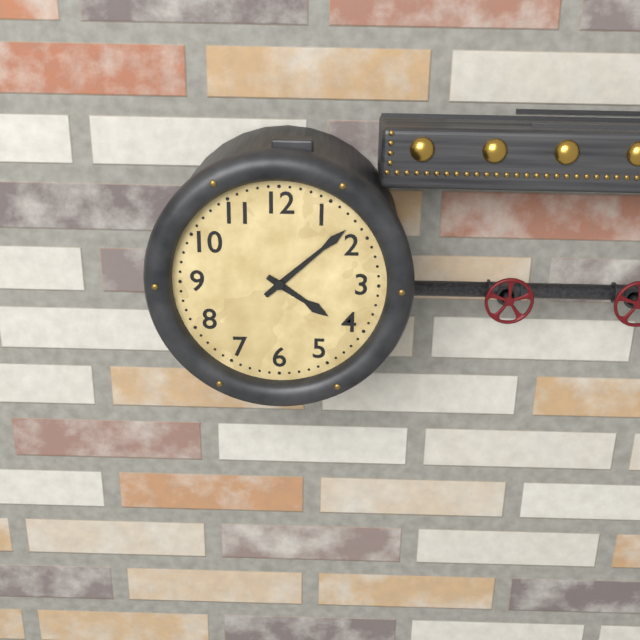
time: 4:08
